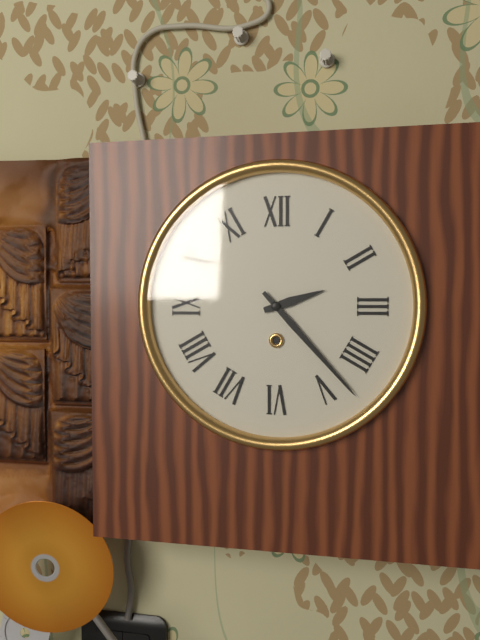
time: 2:23
